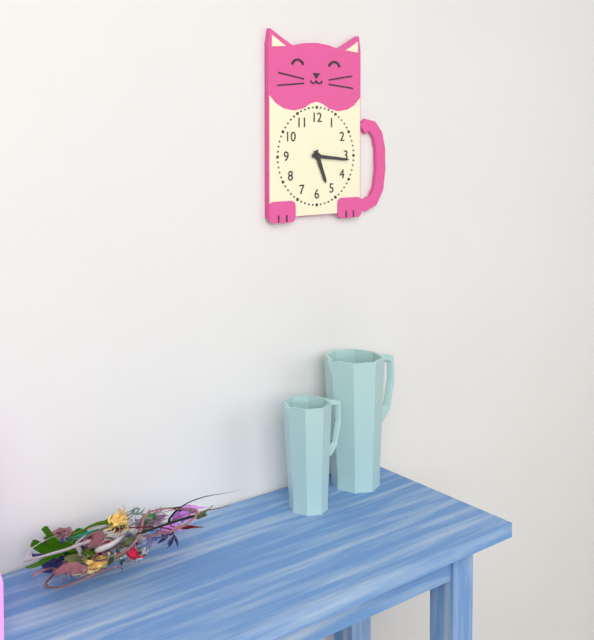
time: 5:16
